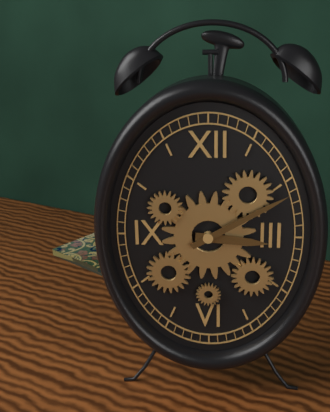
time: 3:10
